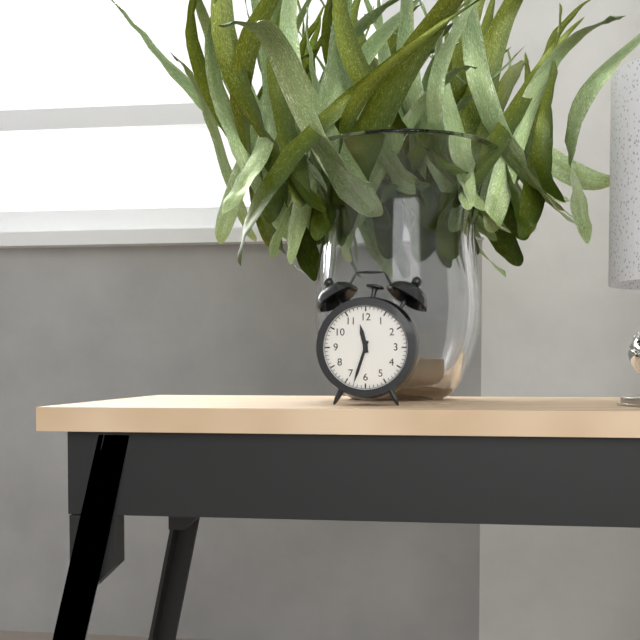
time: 11:33
